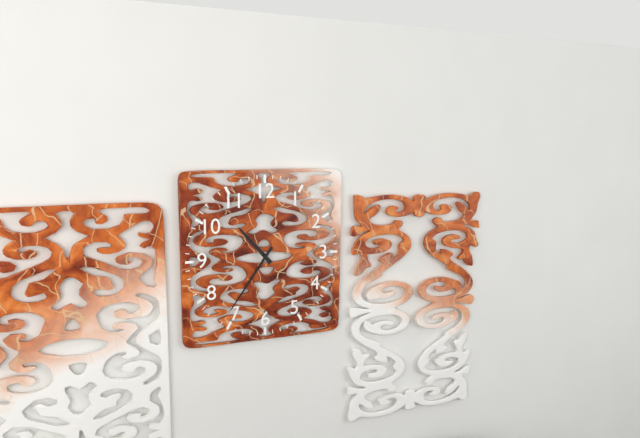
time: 10:36
